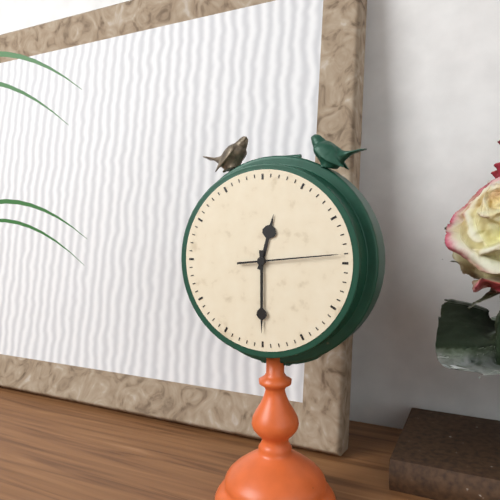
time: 12:30:14
